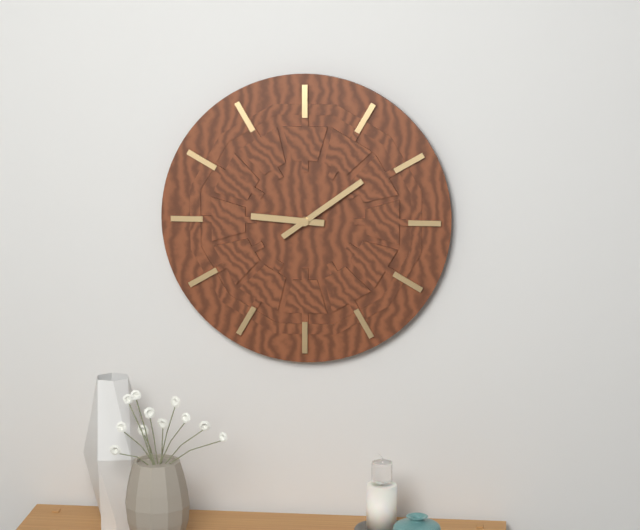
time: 9:09
